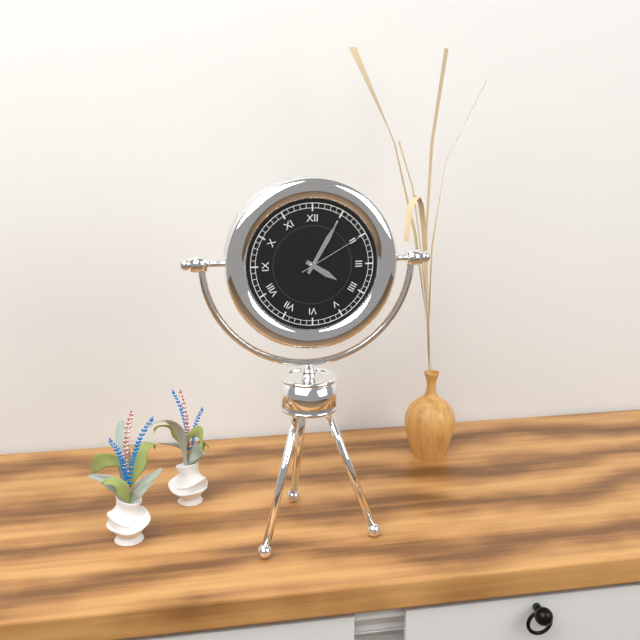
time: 4:05:10
